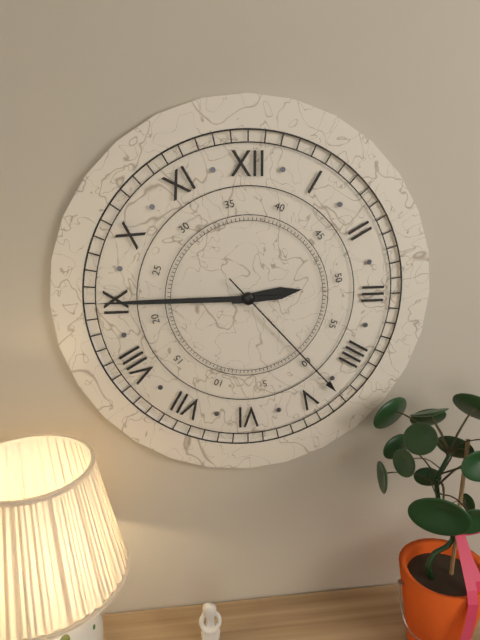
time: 2:45:23
